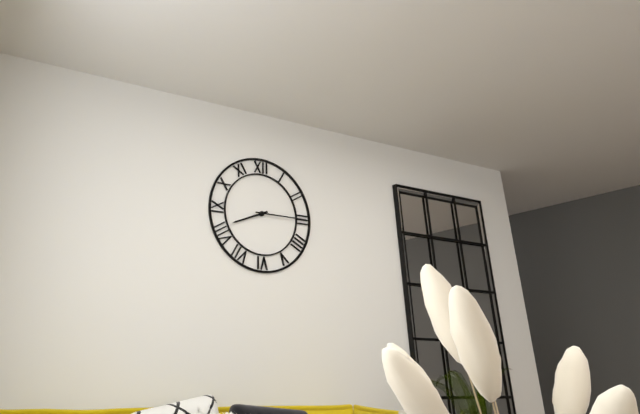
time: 8:15
